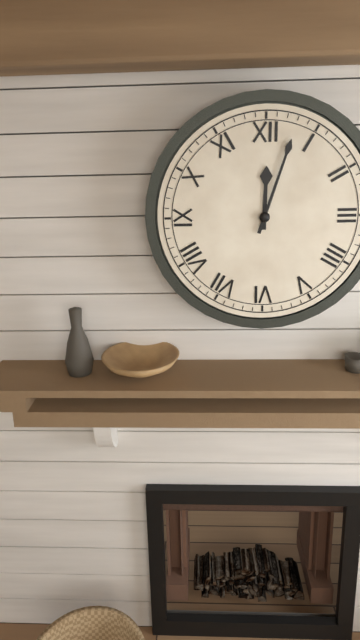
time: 12:03
